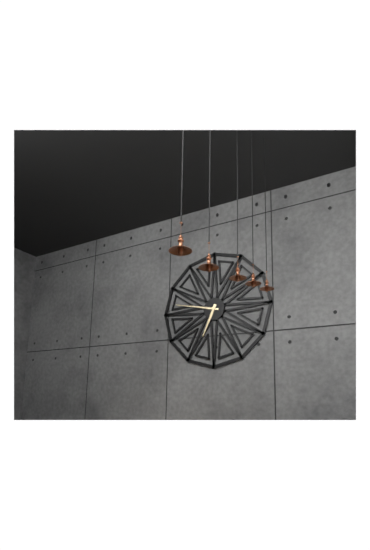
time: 6:47
